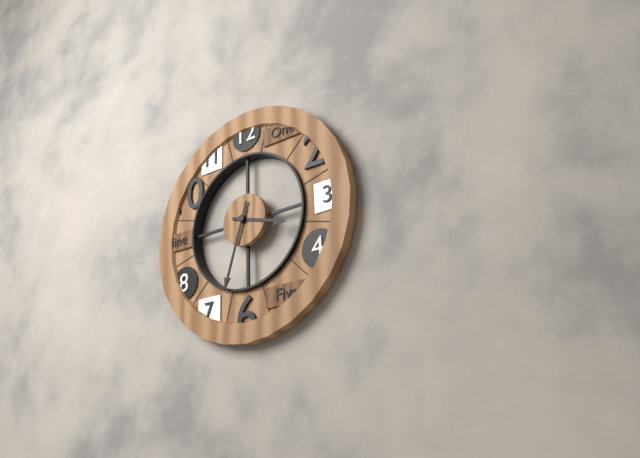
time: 3:33
